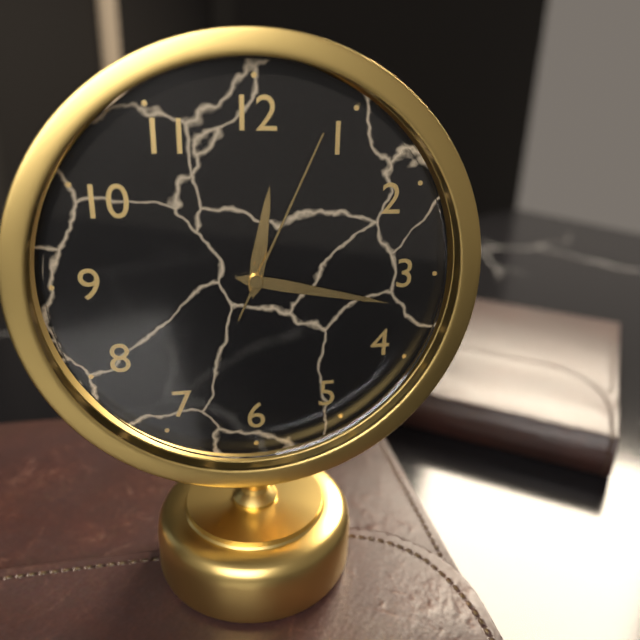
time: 12:17:04
